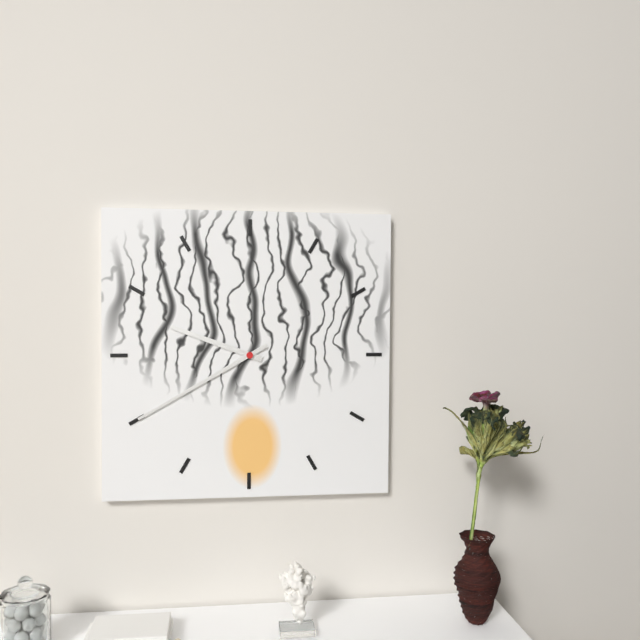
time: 9:40
